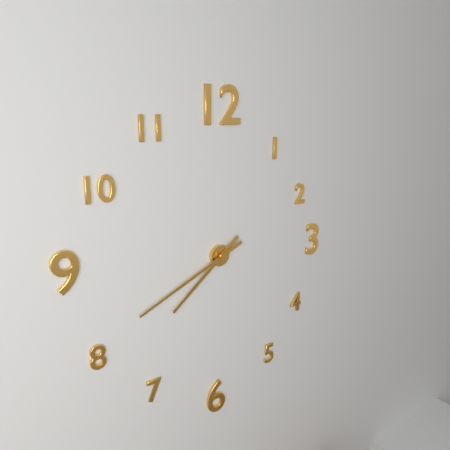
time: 7:41
